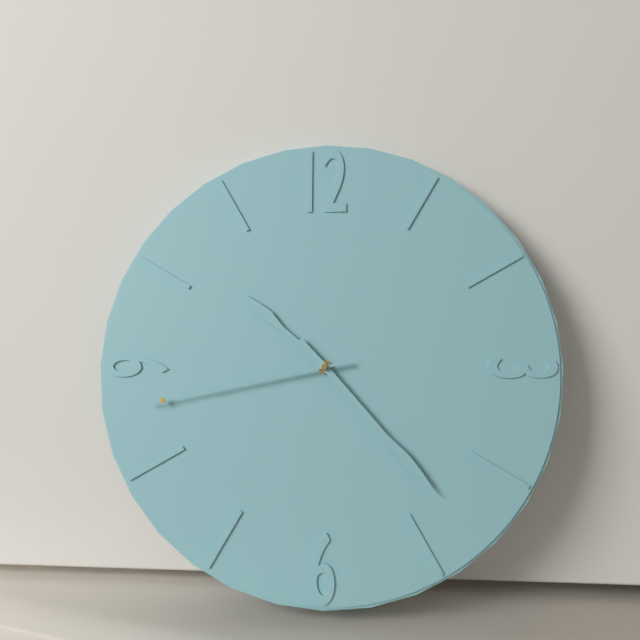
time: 10:23:43
